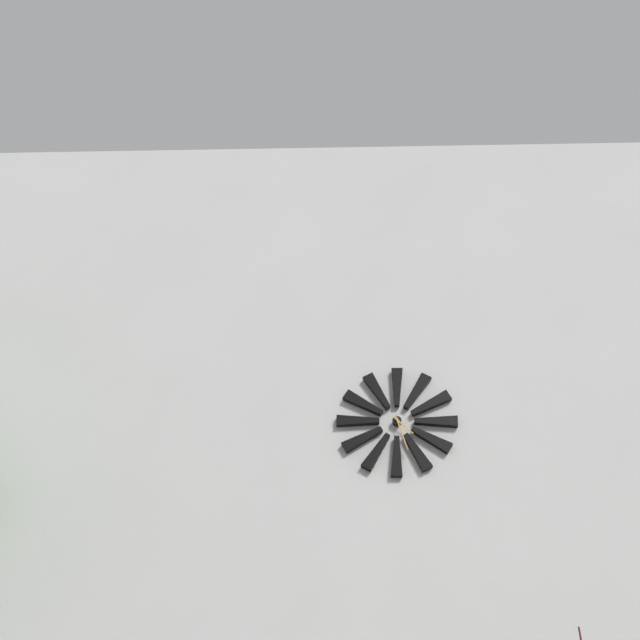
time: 4:27
